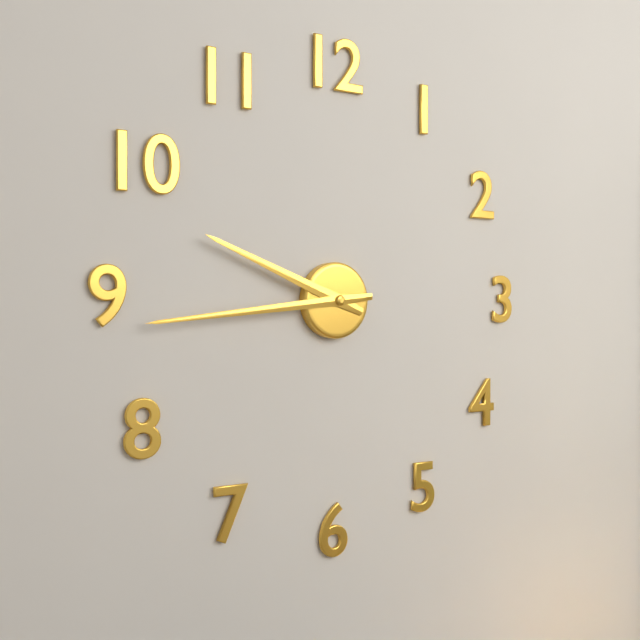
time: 9:44
